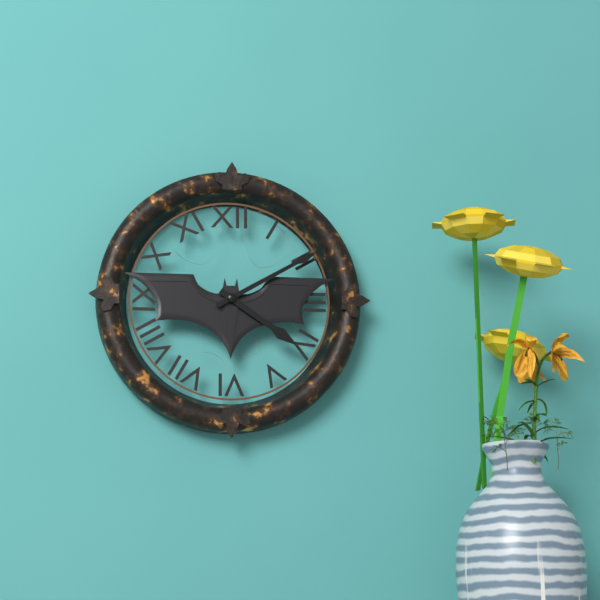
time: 4:10
